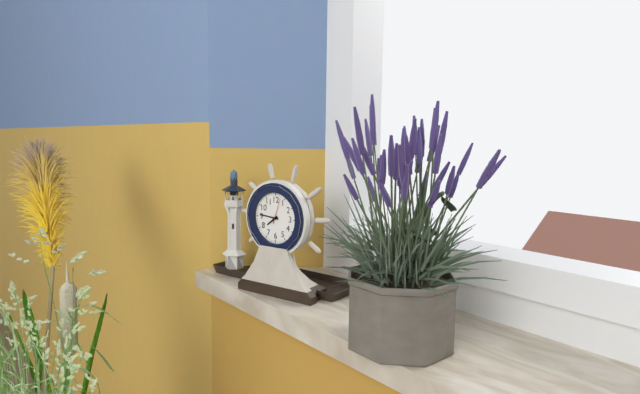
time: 7:46
